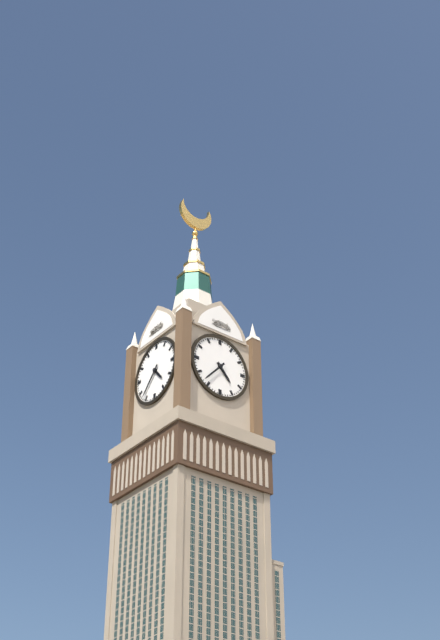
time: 4:37
